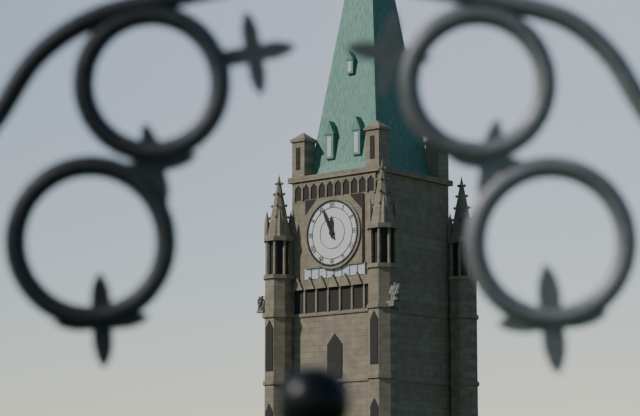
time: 11:56
